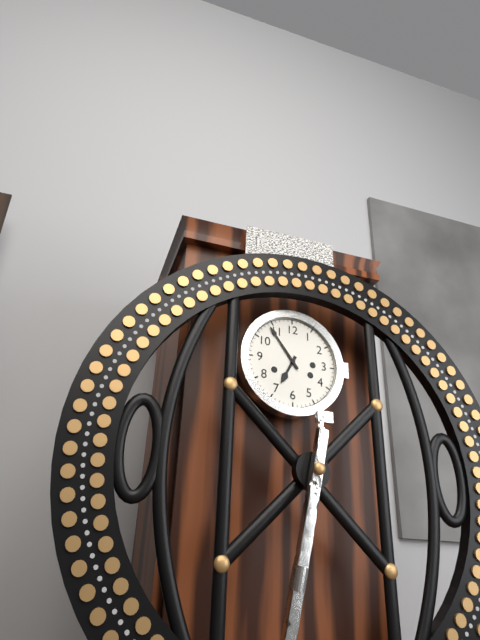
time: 6:54
